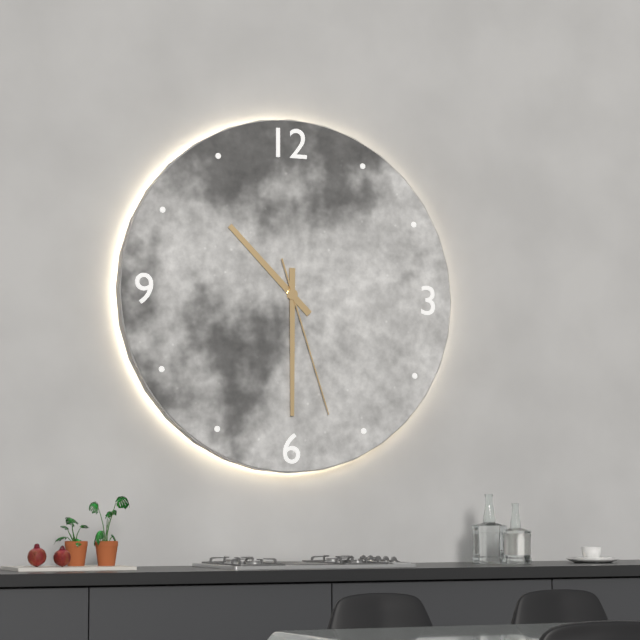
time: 10:30:27
